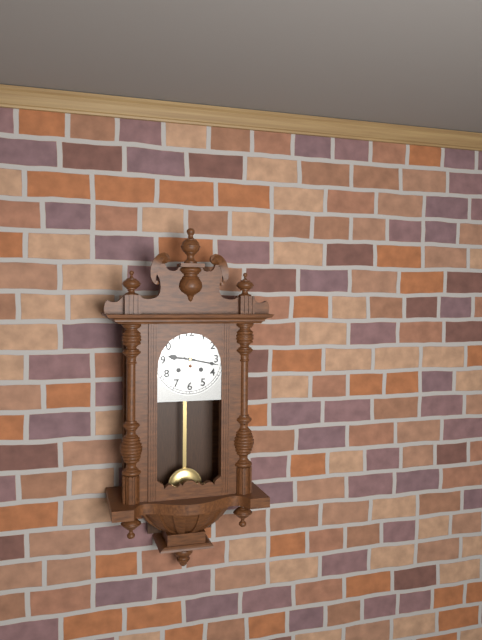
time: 9:17
